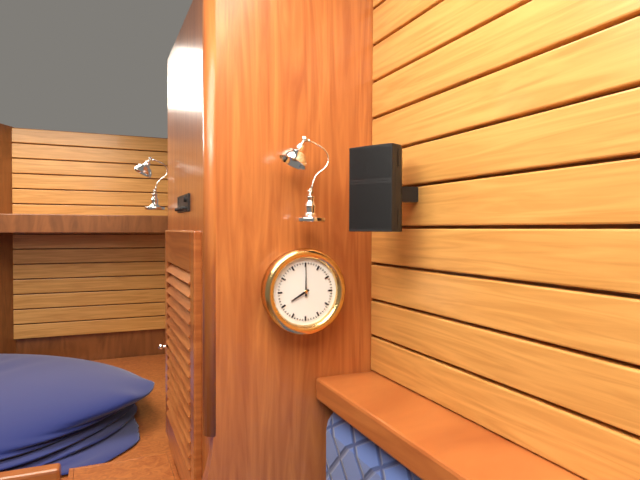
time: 8:00
